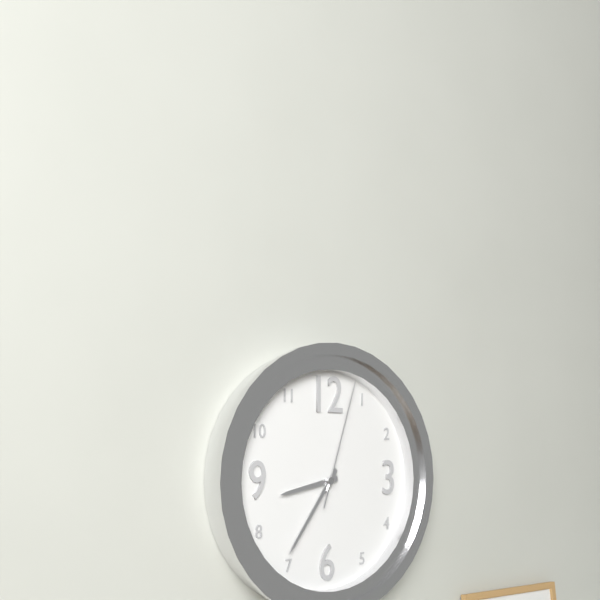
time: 8:36:03
